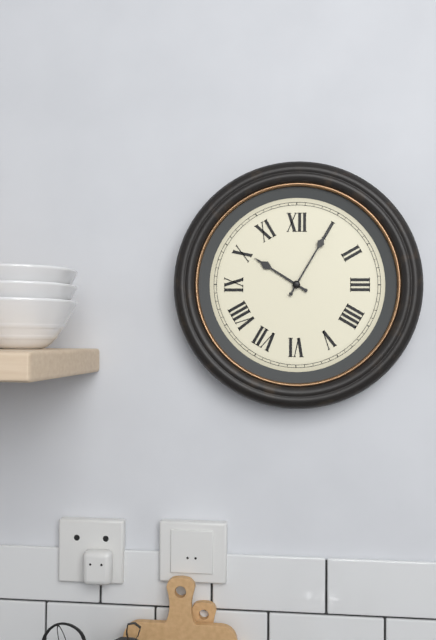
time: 10:05
